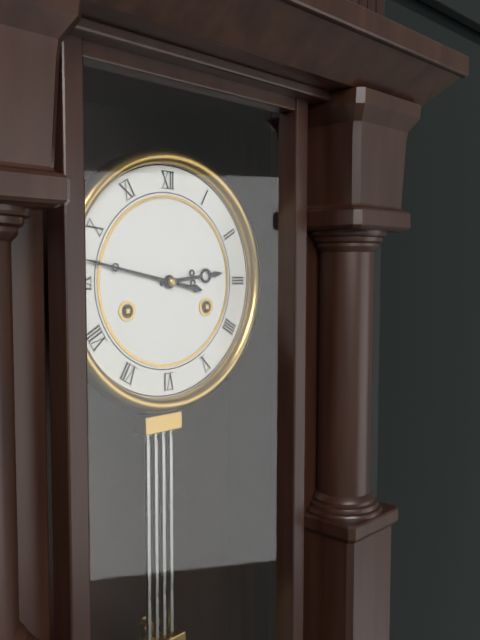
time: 2:47
